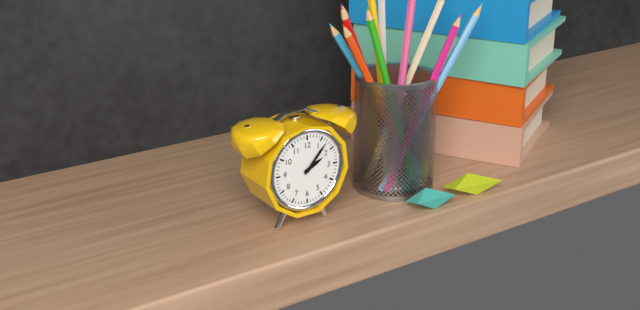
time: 2:07
